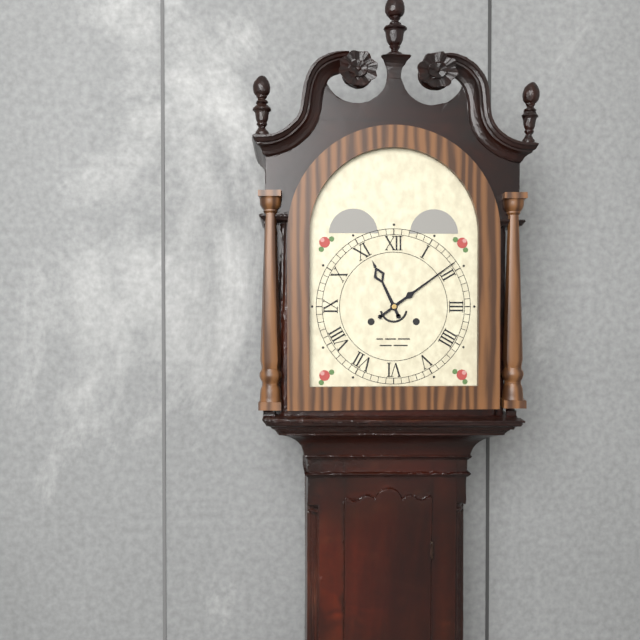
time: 11:09
